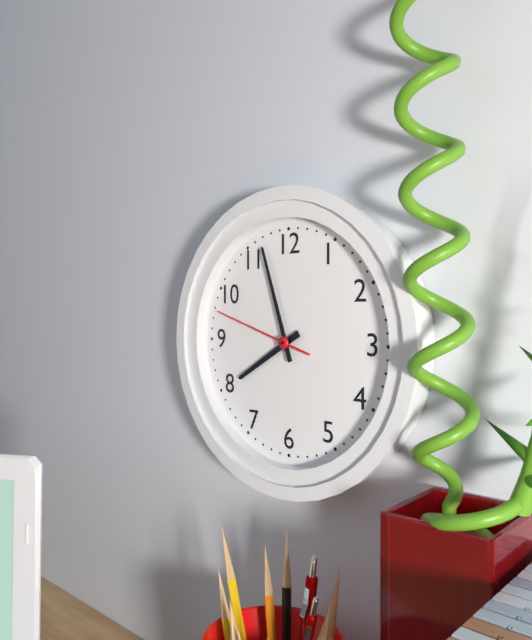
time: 7:57:48
